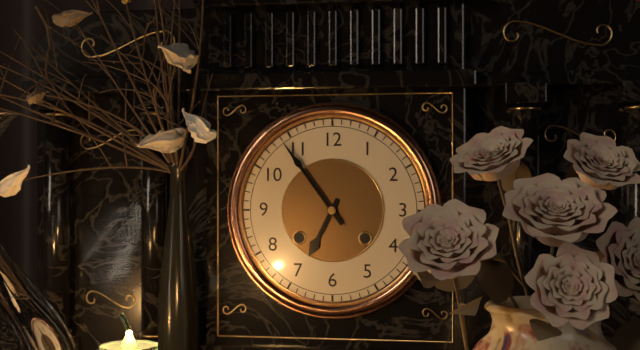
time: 6:54
